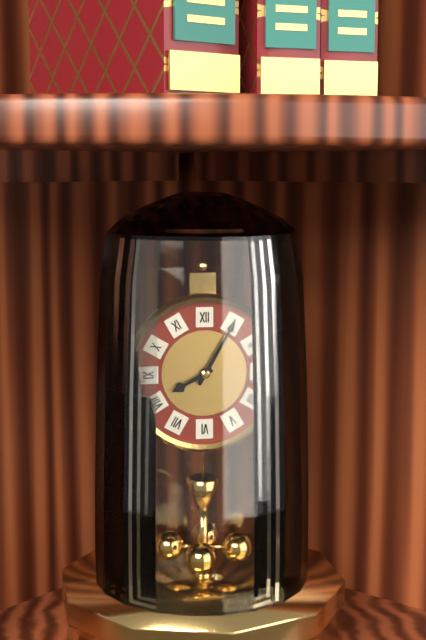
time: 8:05
